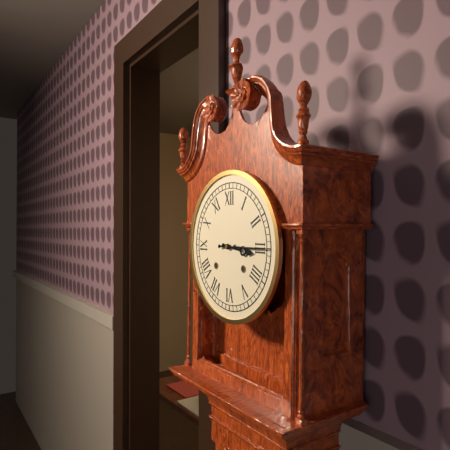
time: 3:15
